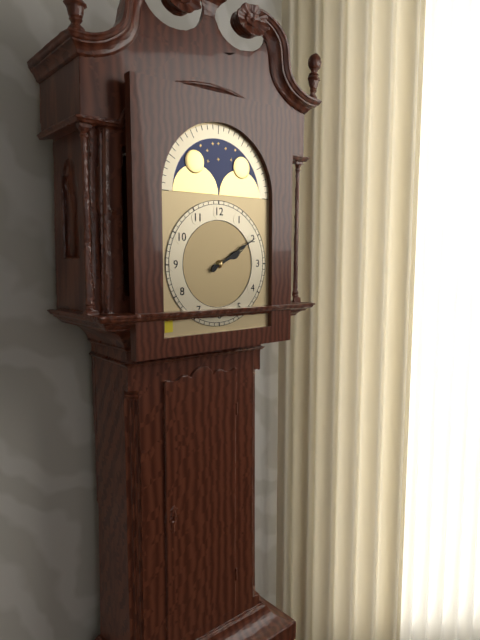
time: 2:10
